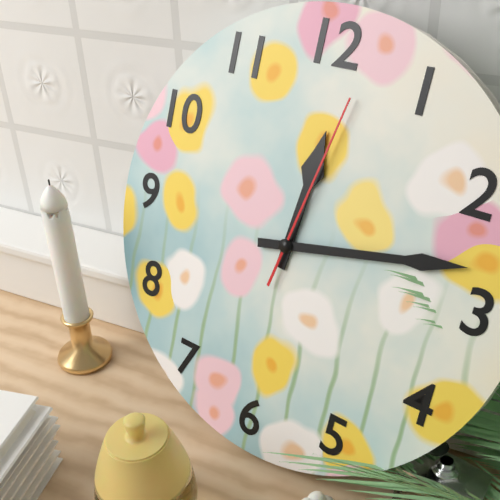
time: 12:13:02
